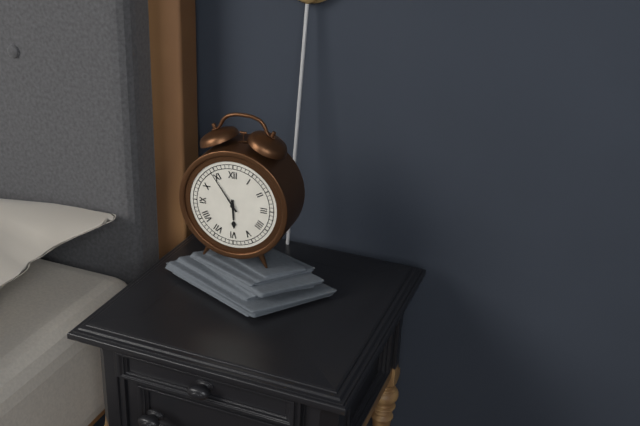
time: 5:54
